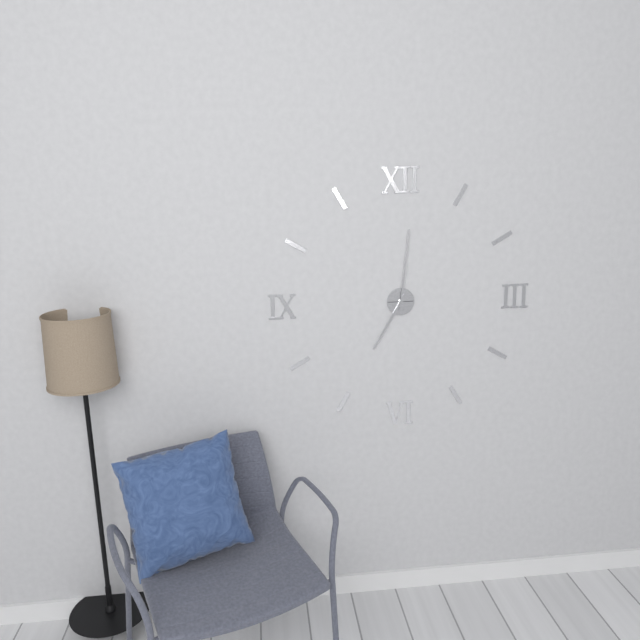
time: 7:01
